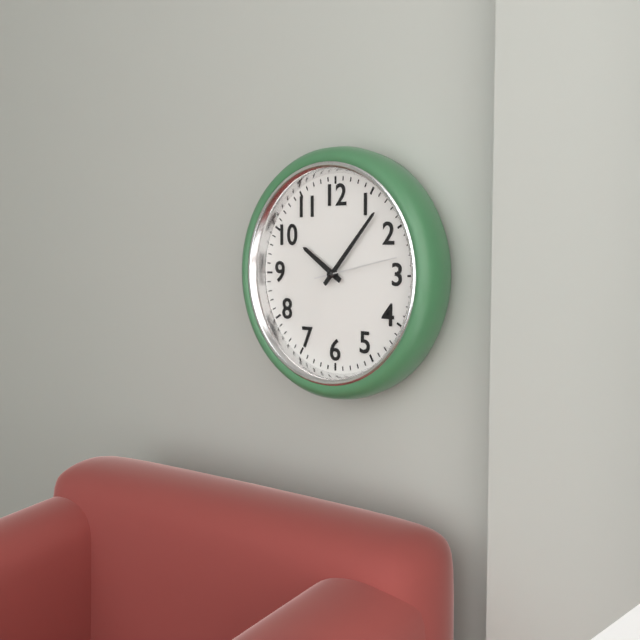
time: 10:07:13
